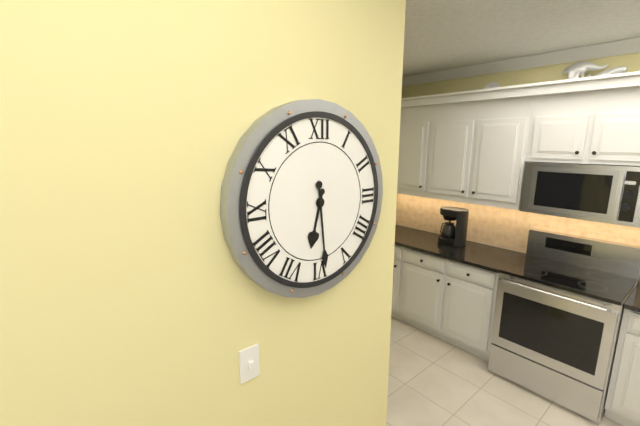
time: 6:29
